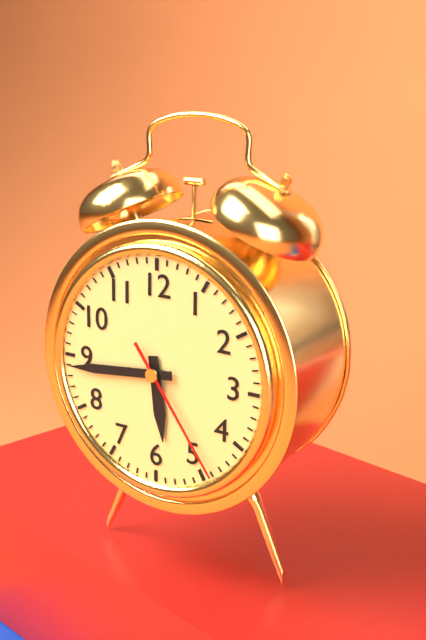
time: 5:44:24
